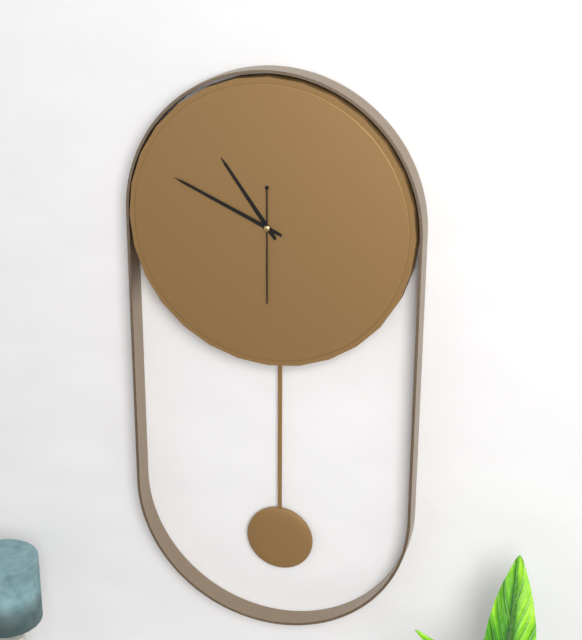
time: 10:49:30
